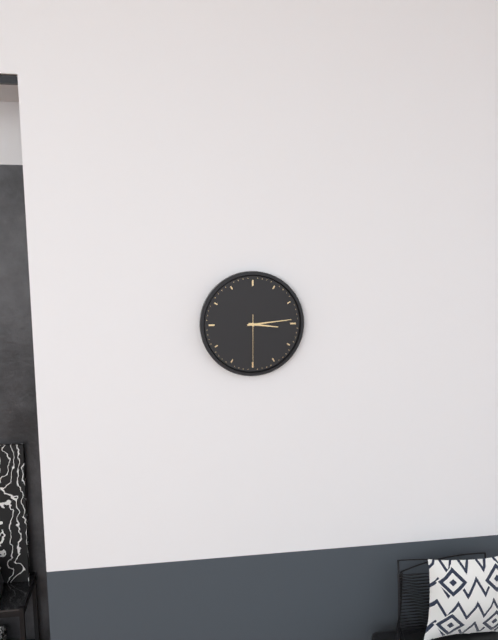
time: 3:14:30
